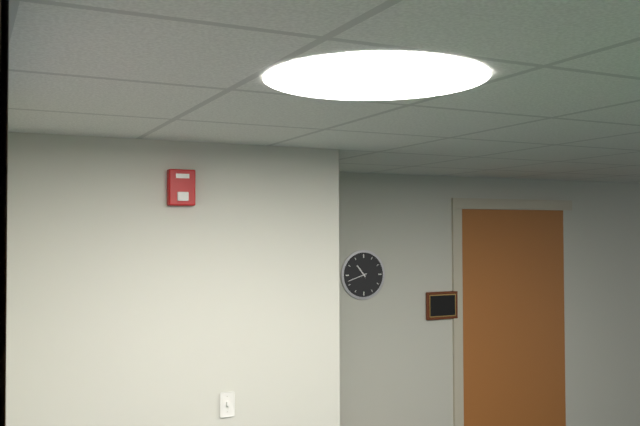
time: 10:42
